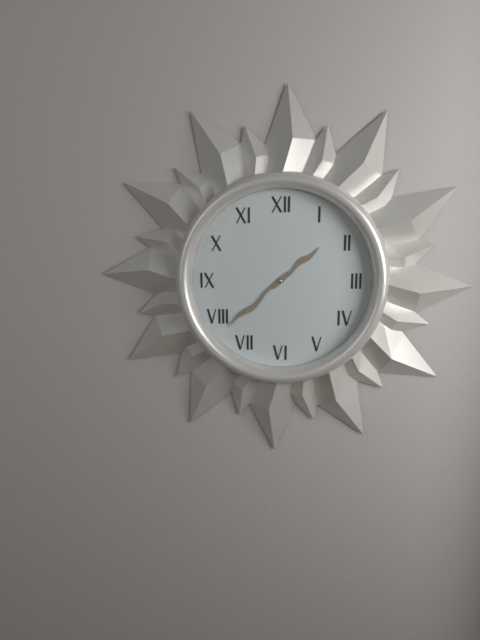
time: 1:38
